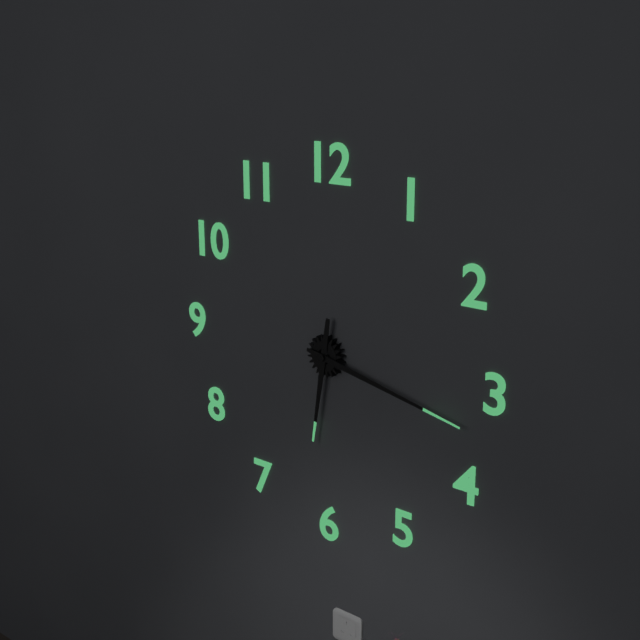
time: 6:17
